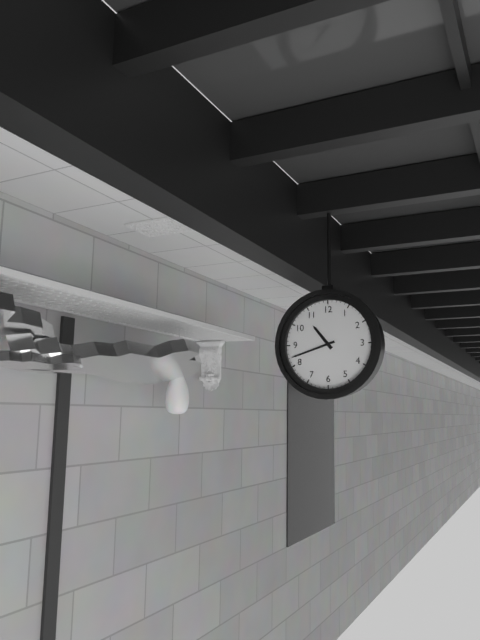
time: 10:42
